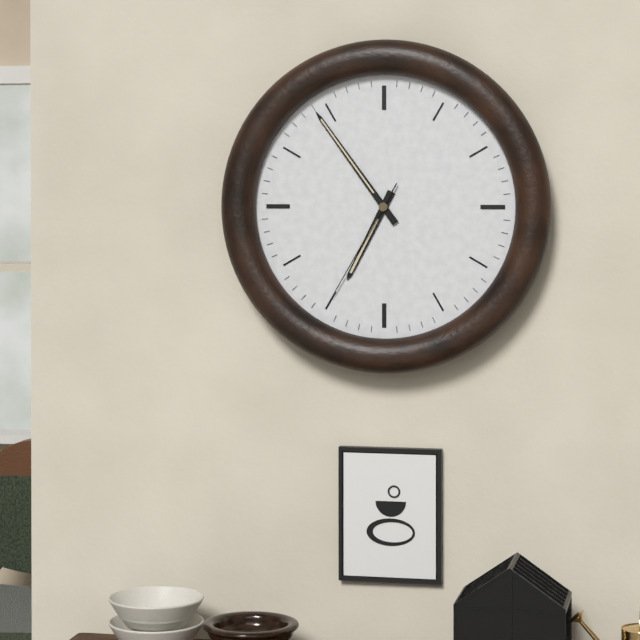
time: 6:54:35
